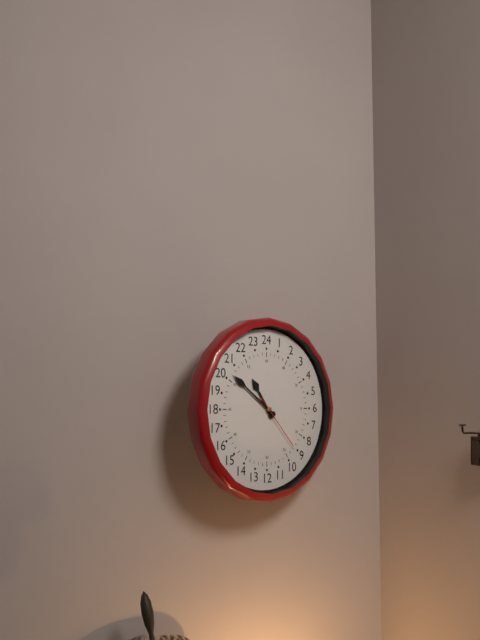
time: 10:51:23
